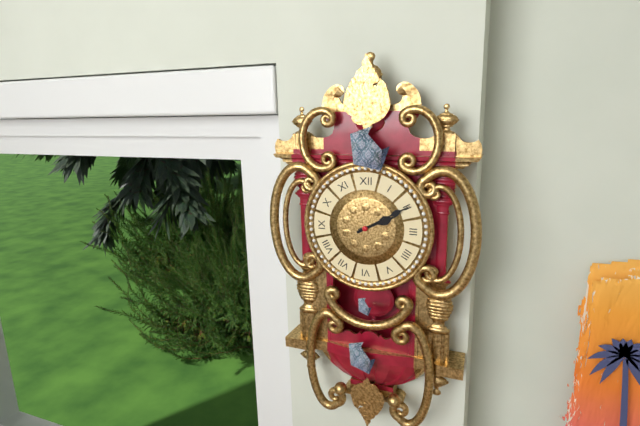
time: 2:10
